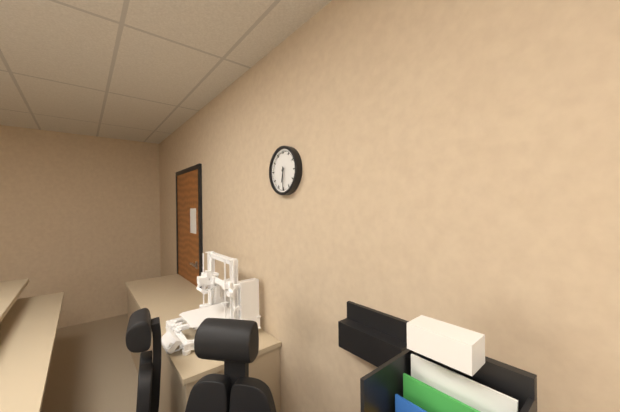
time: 6:30
